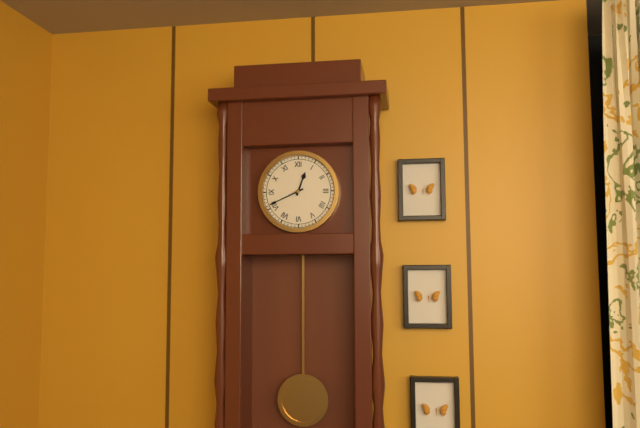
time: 12:41
